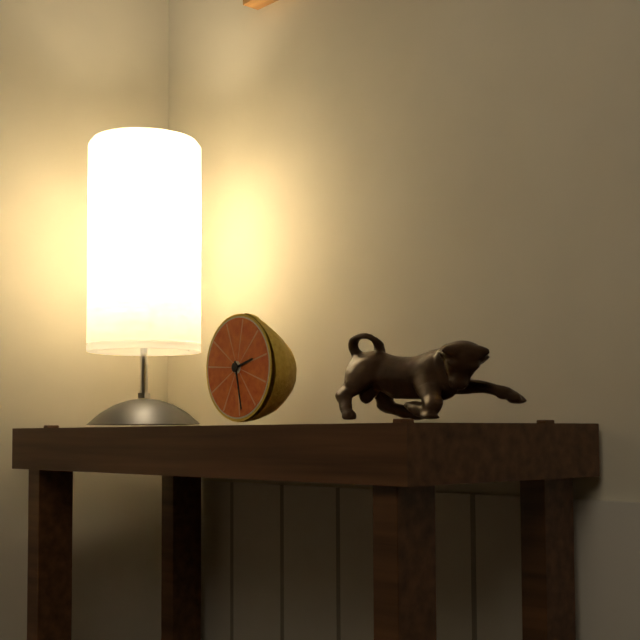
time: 2:28
